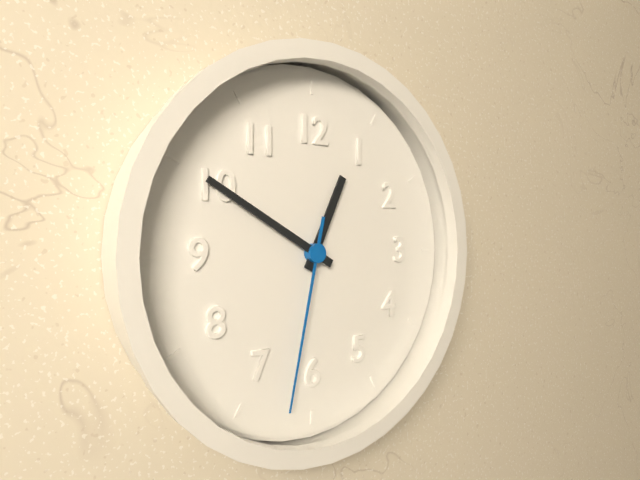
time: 12:50:32
